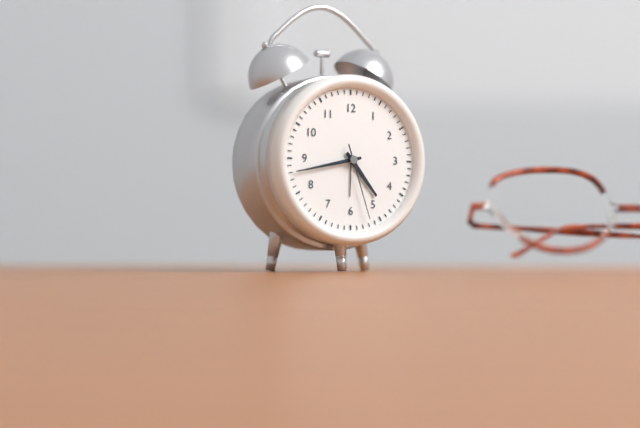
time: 4:43:27
